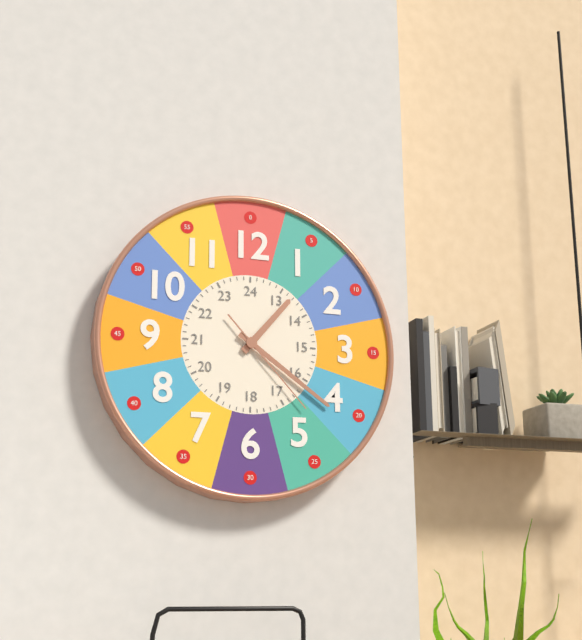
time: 1:21:23
